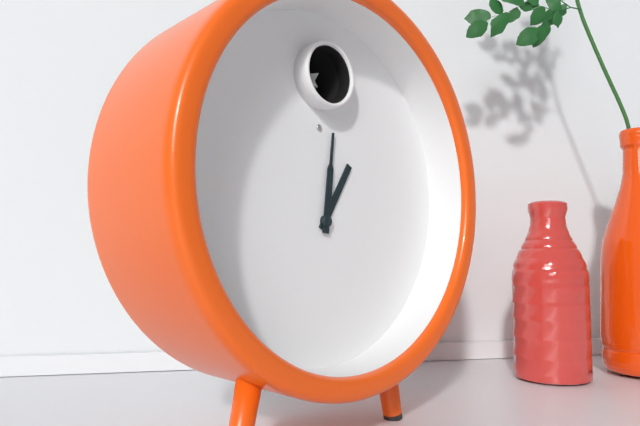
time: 1:01
